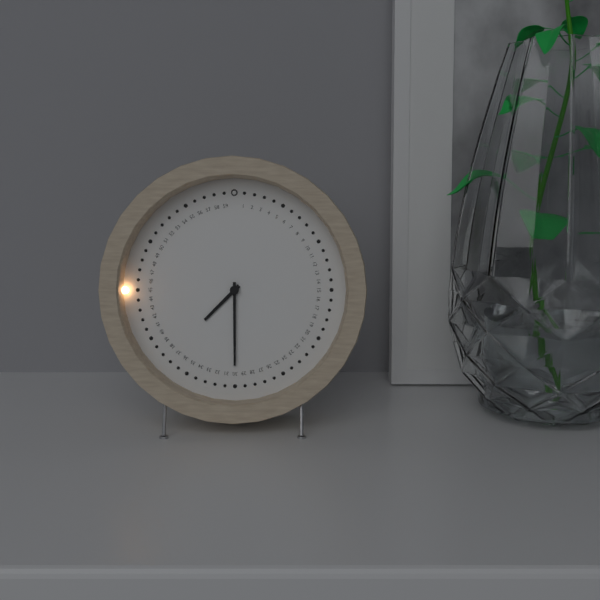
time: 7:30
